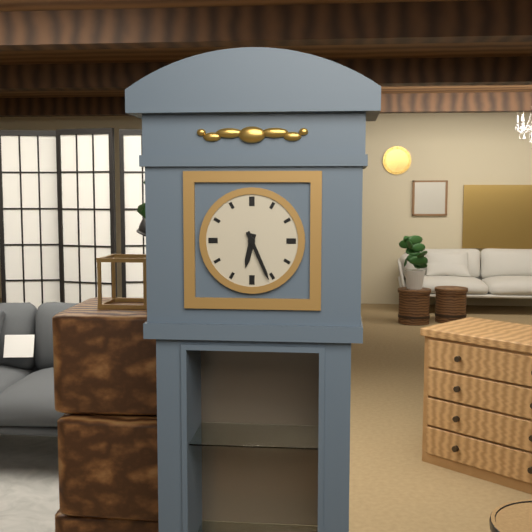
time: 6:26
